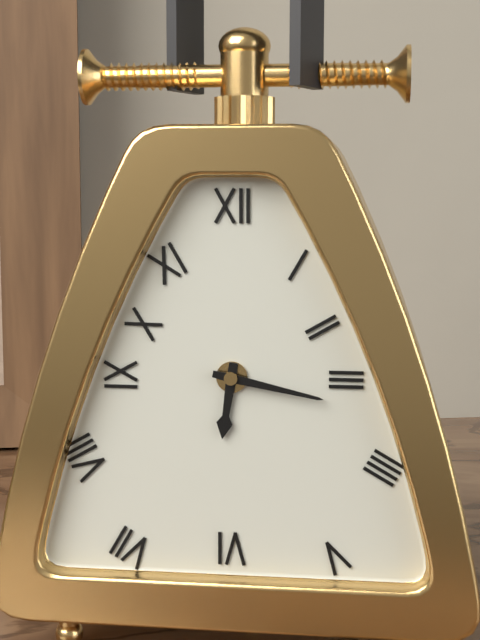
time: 6:17
